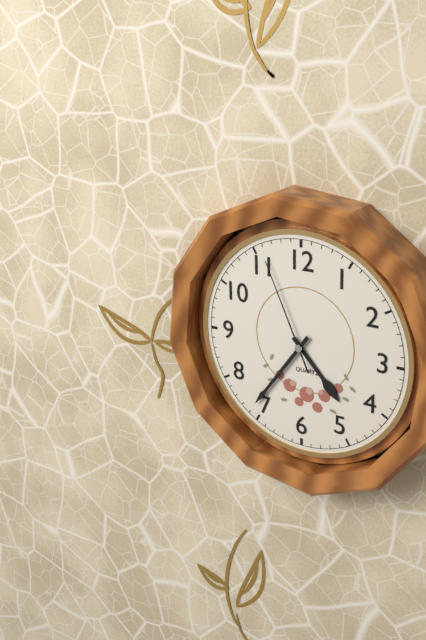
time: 4:36:56
